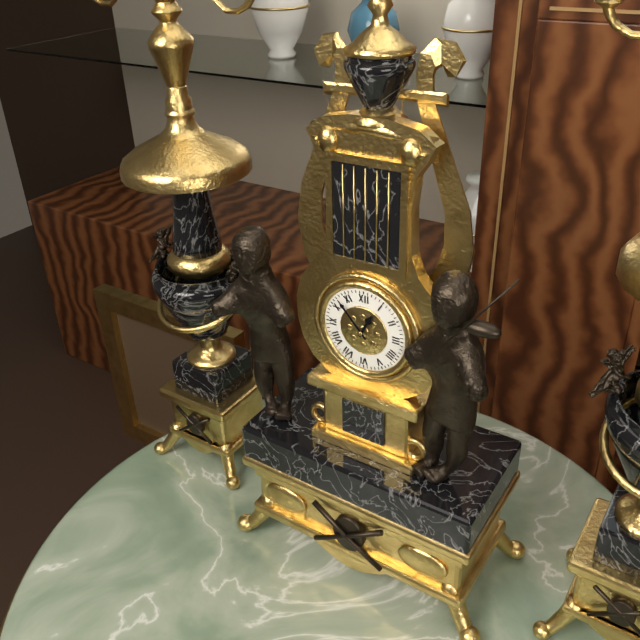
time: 12:53
